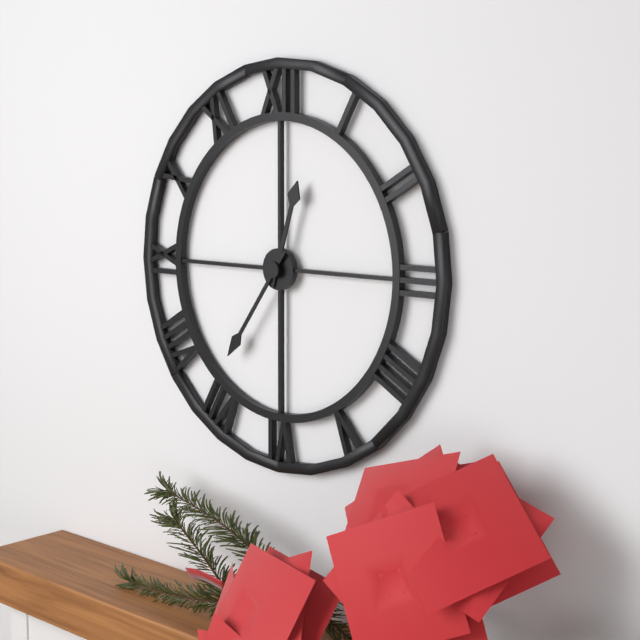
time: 12:36
